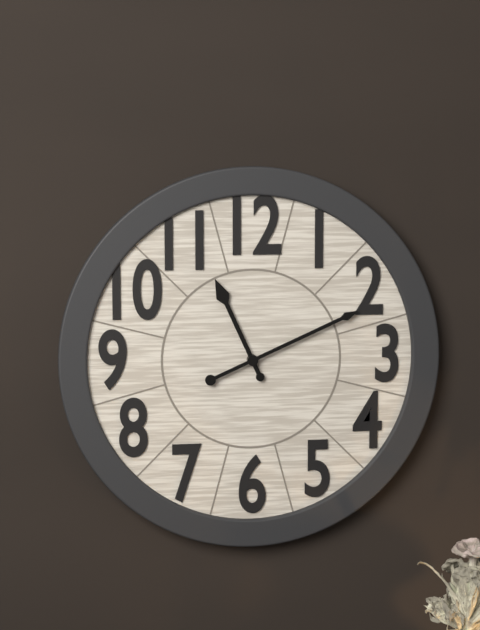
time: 11:11
